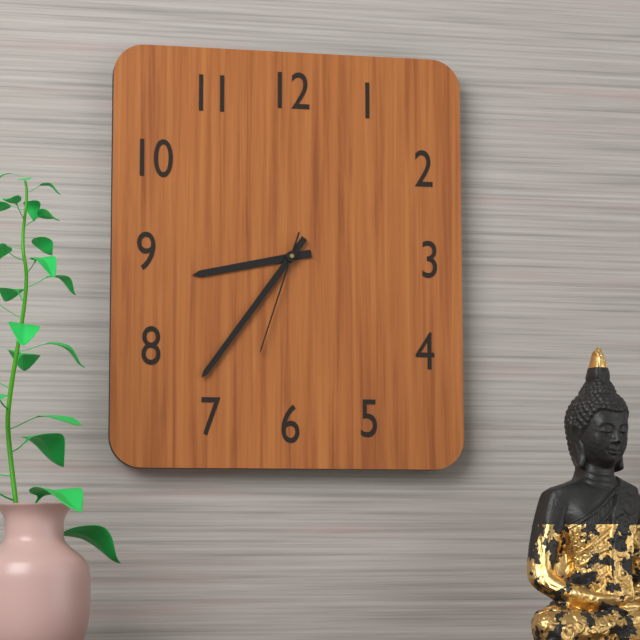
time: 8:36:33
